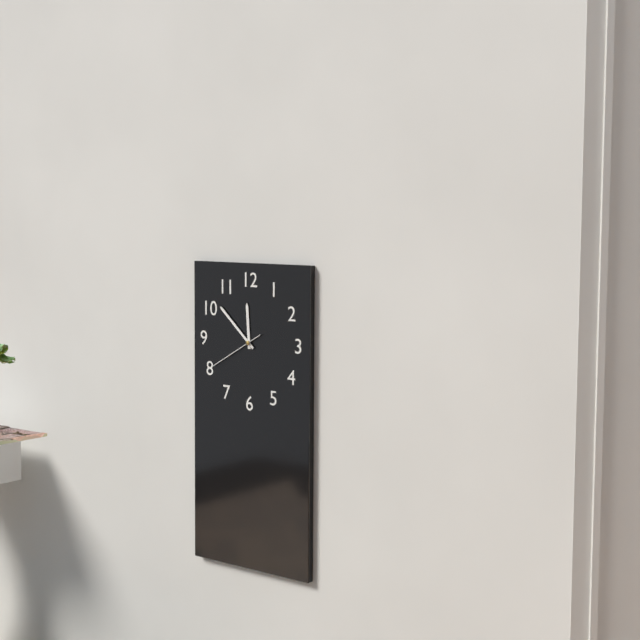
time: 11:52:40
